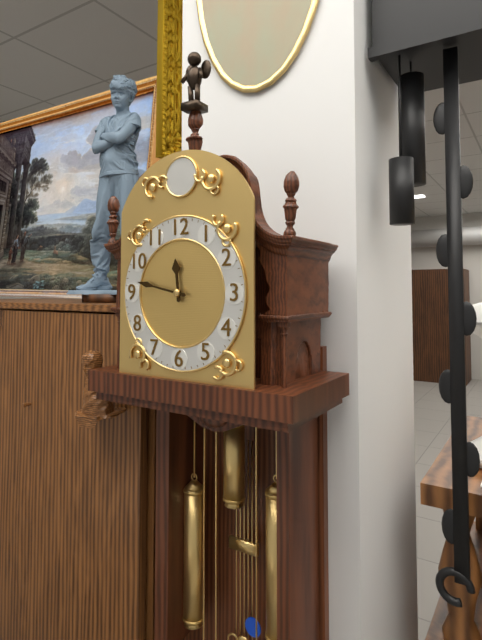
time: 11:47
